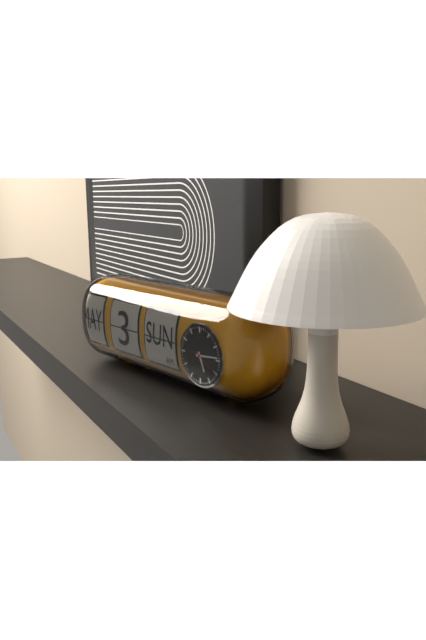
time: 5:14
